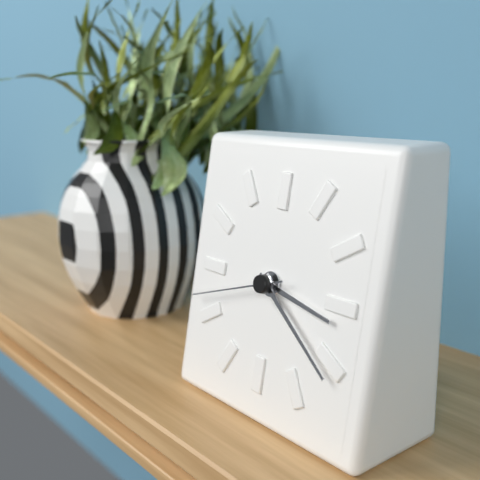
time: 3:21:42
